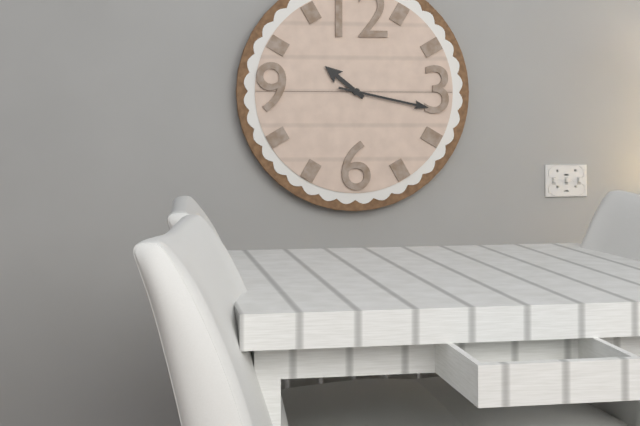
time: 10:17
